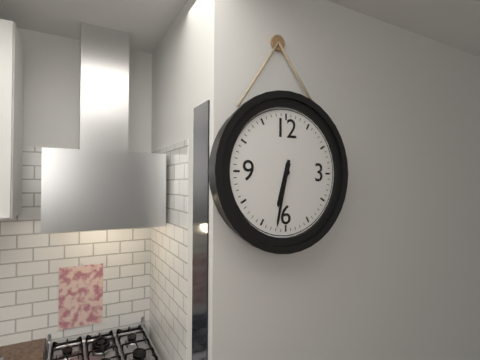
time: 6:32
